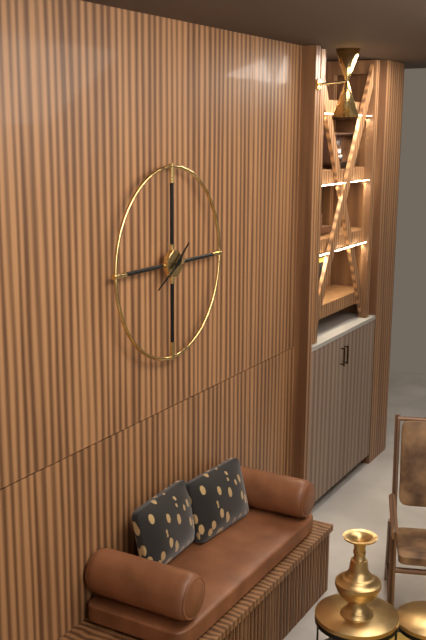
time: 1:40
